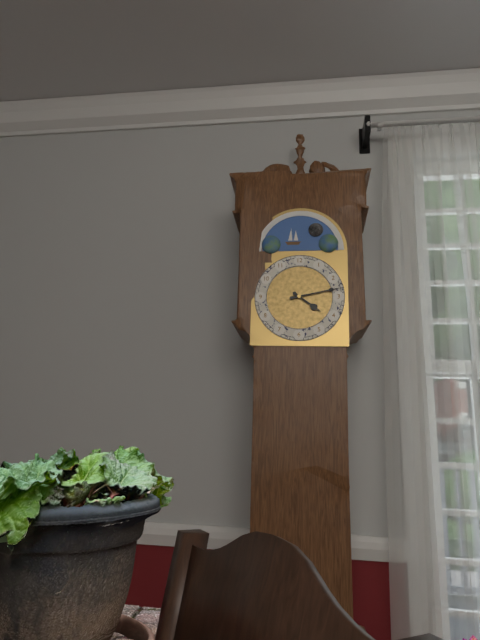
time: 4:13
